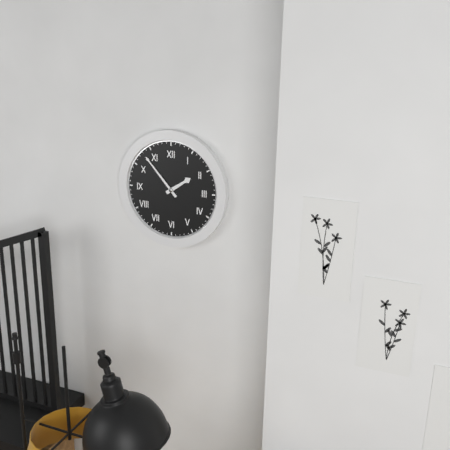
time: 1:53
